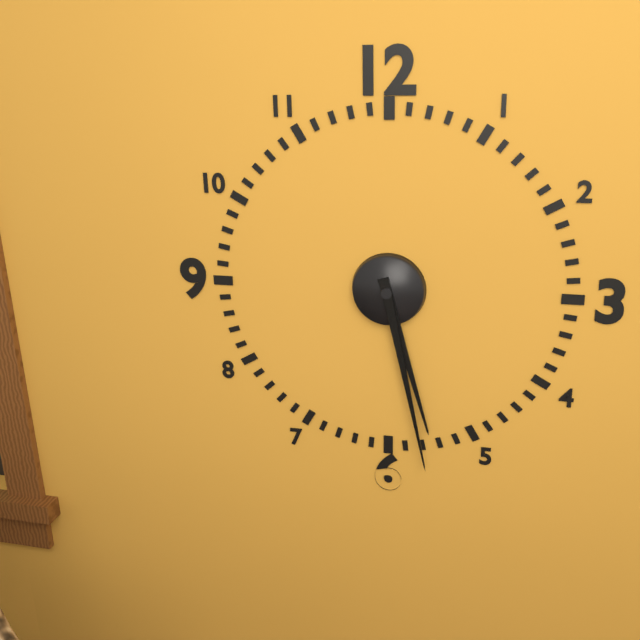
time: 5:28
